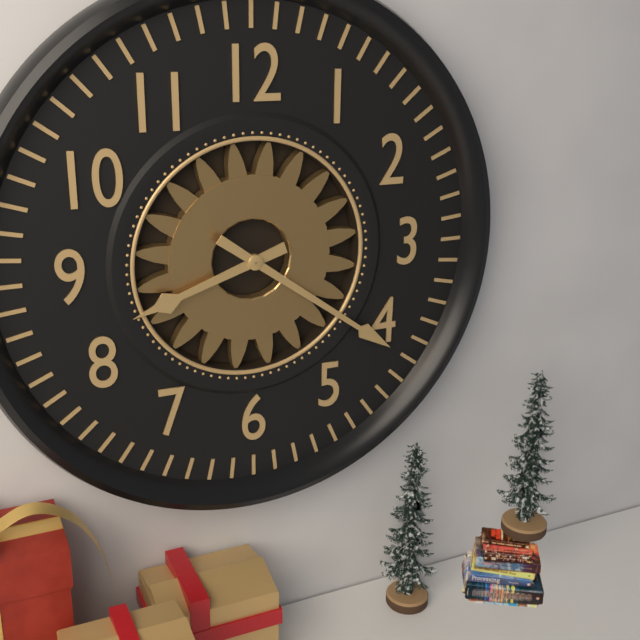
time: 8:21
